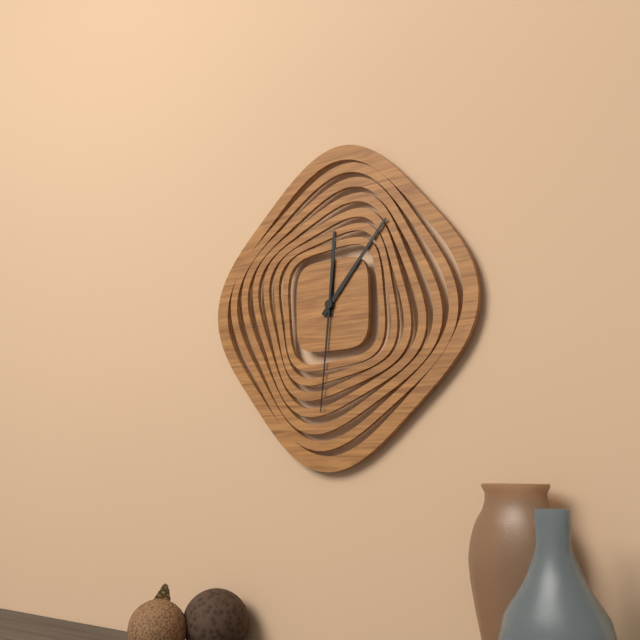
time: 12:07:31
